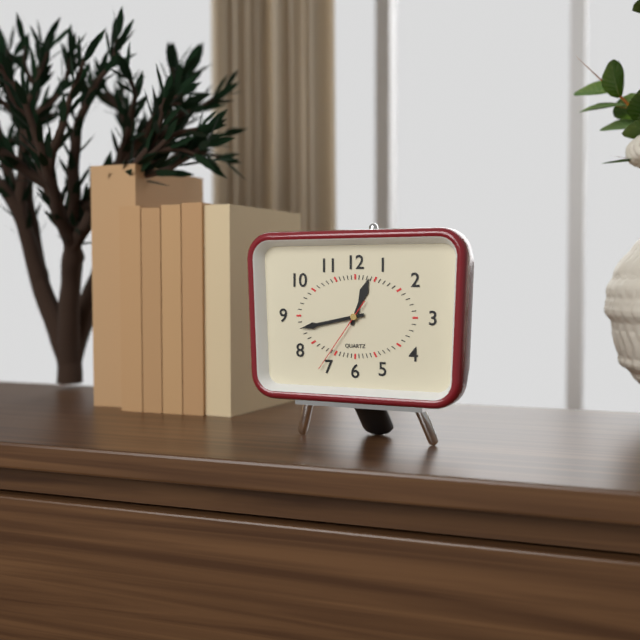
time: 12:43:36
